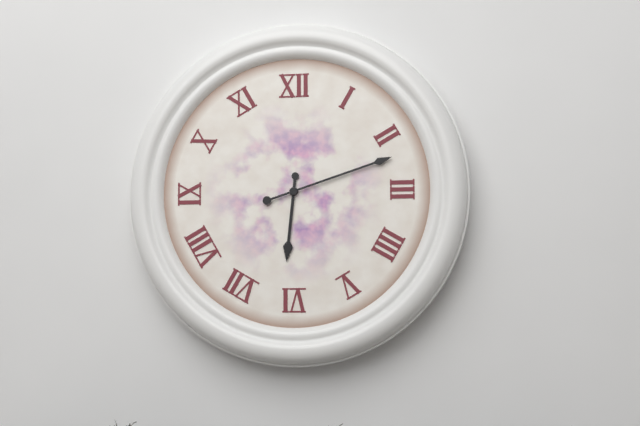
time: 6:12
